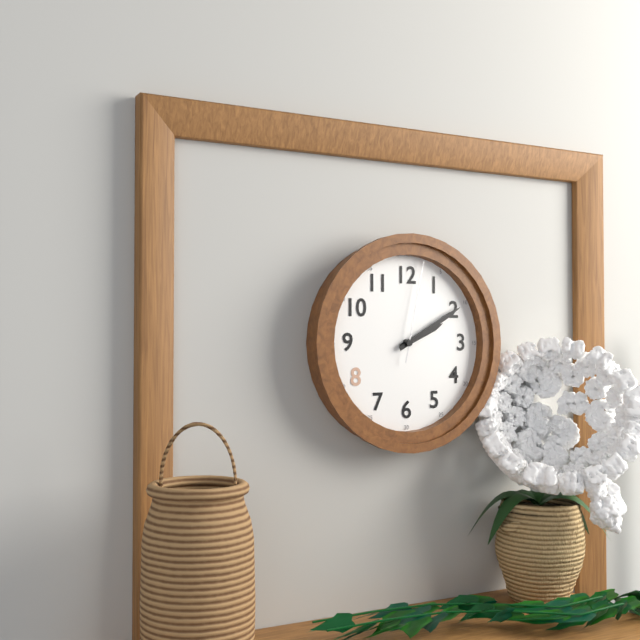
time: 2:10:02
